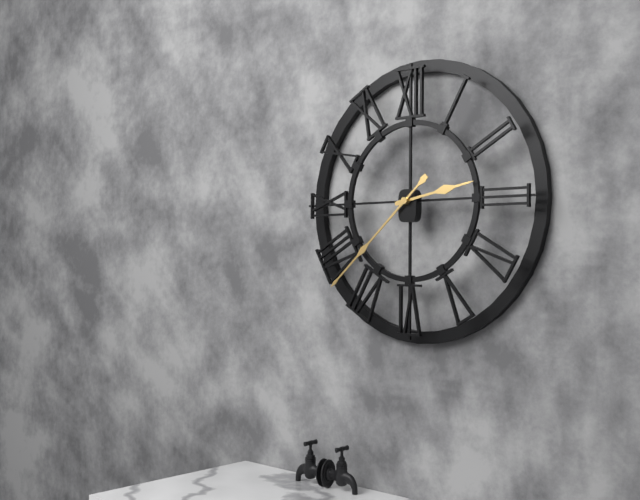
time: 2:38
